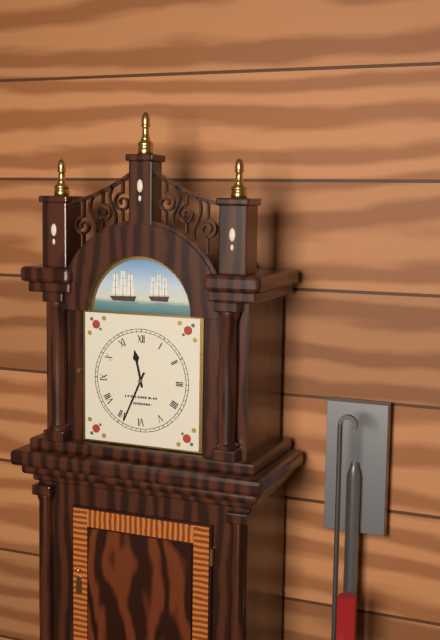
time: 11:34
